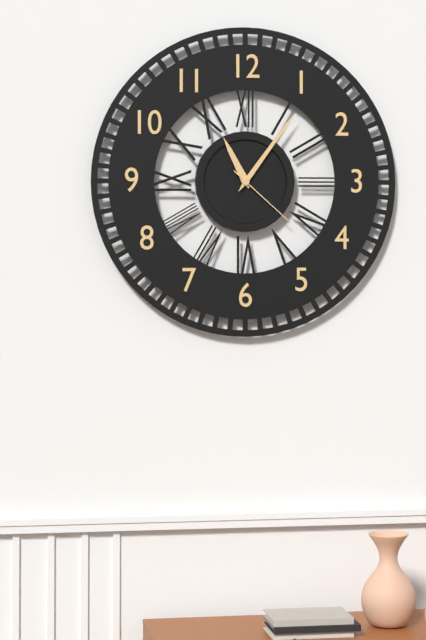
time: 11:06:22
